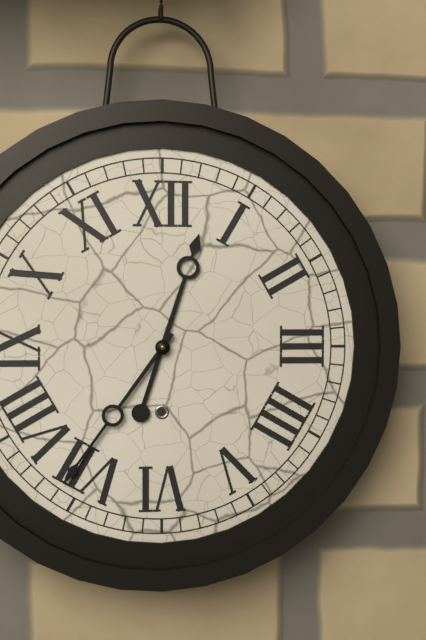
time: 12:36
